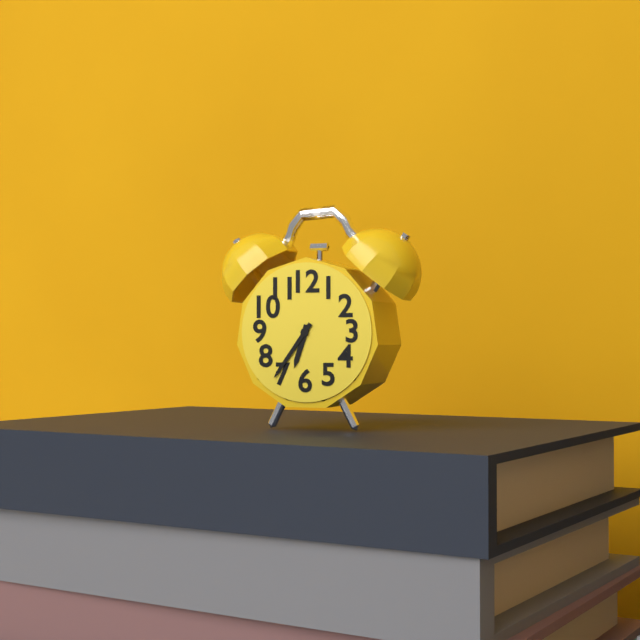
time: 6:36
